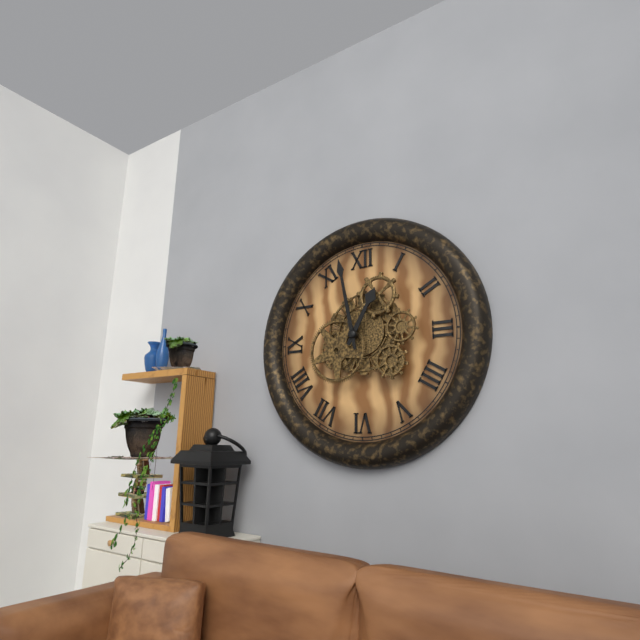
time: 12:58
